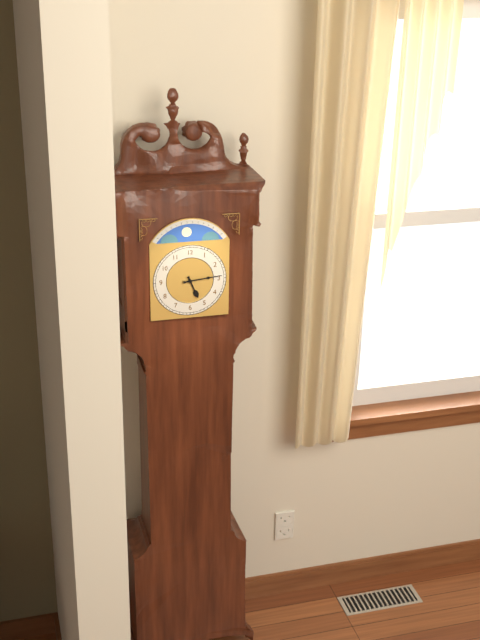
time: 5:14
